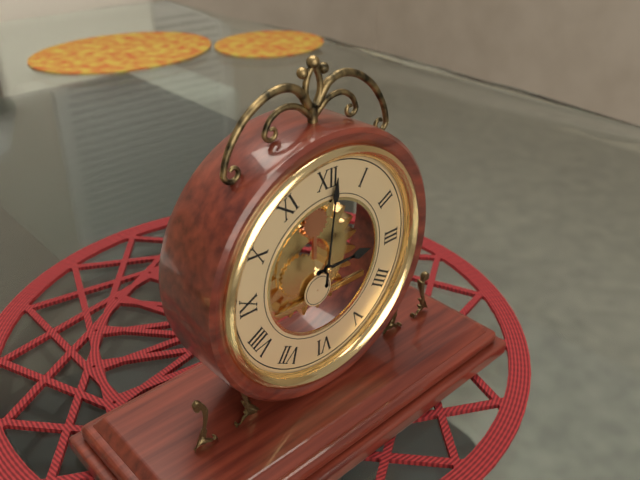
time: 3:01
